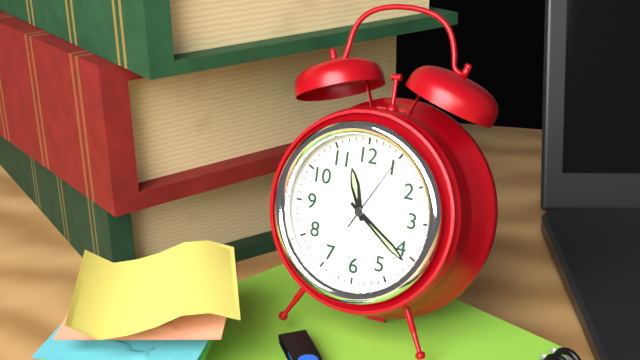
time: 11:21:05
